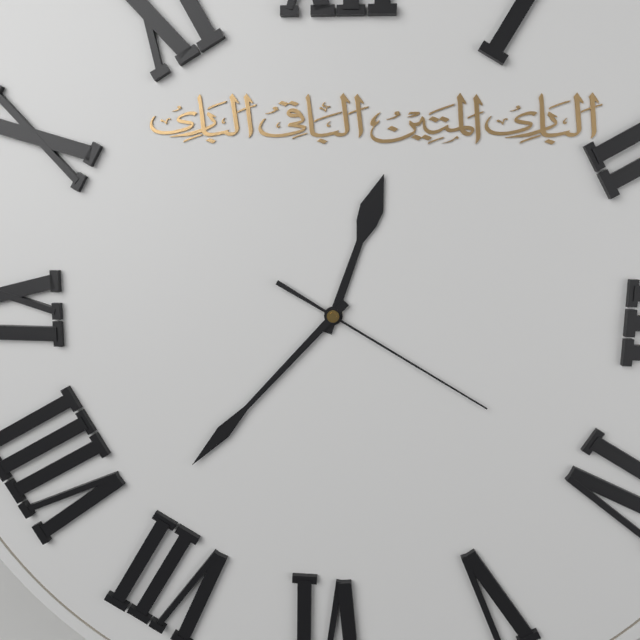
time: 12:37:20
